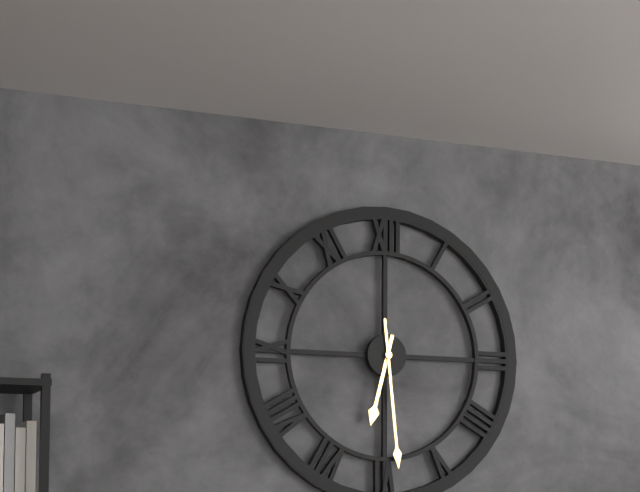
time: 6:29
